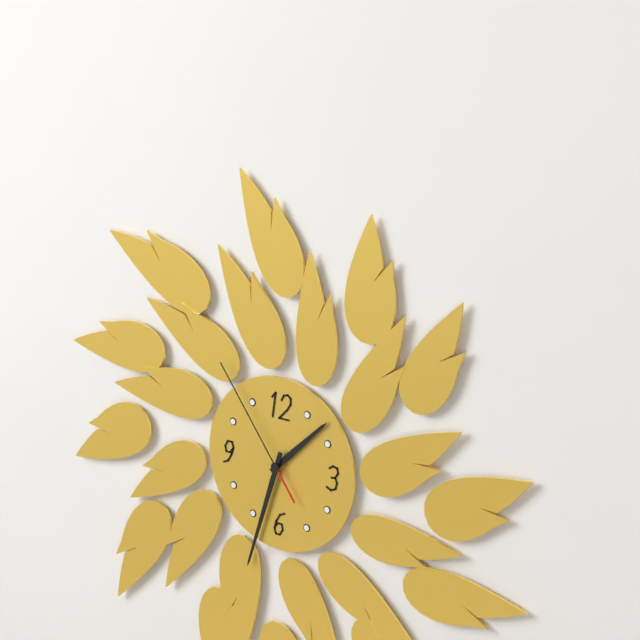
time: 1:33:54
